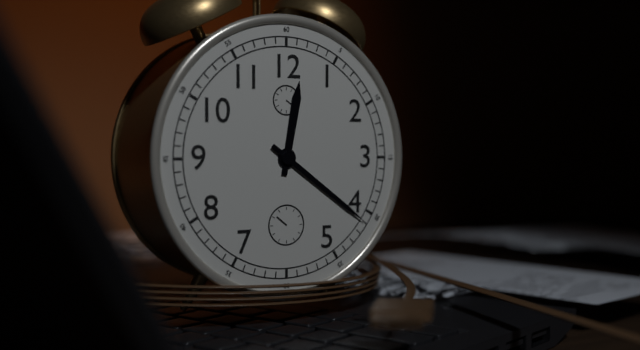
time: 12:21
